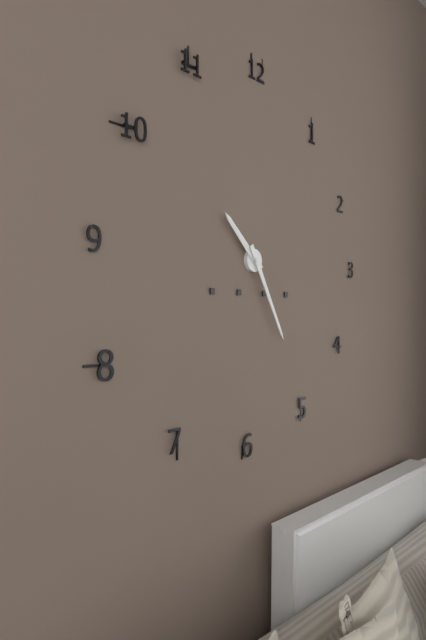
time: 10:25
